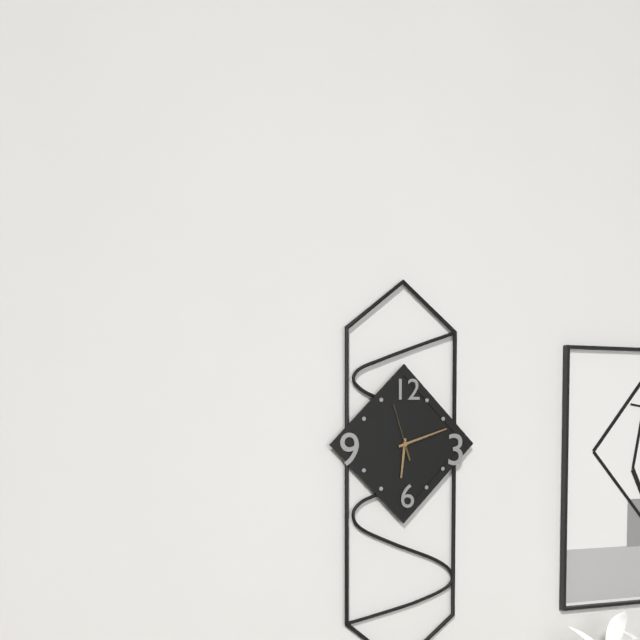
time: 6:12:57
